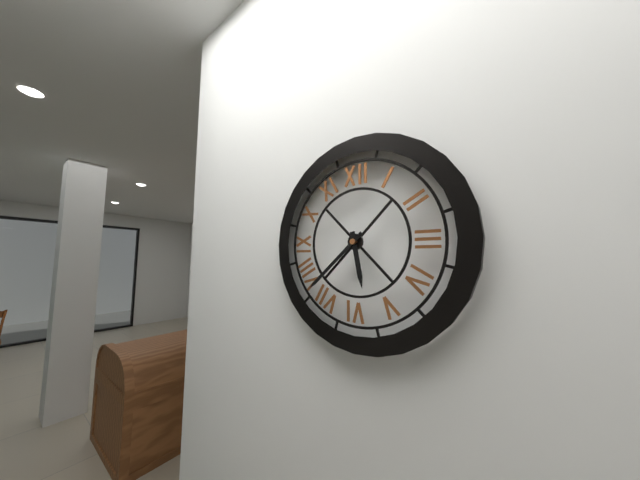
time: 5:38
